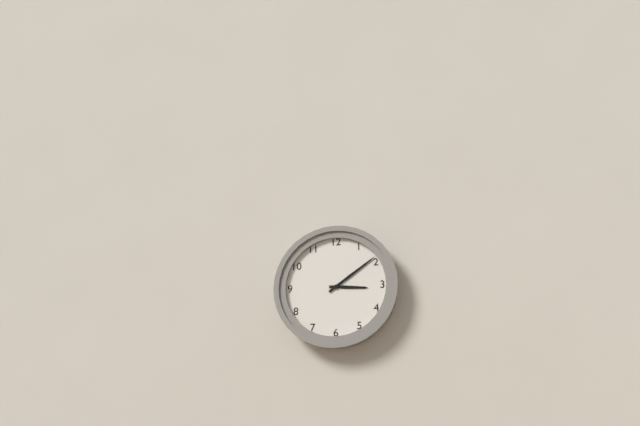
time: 3:09
